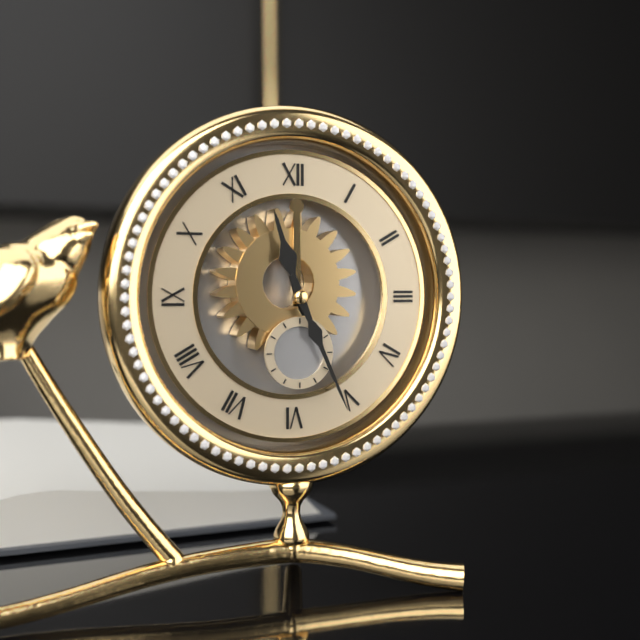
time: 11:26
